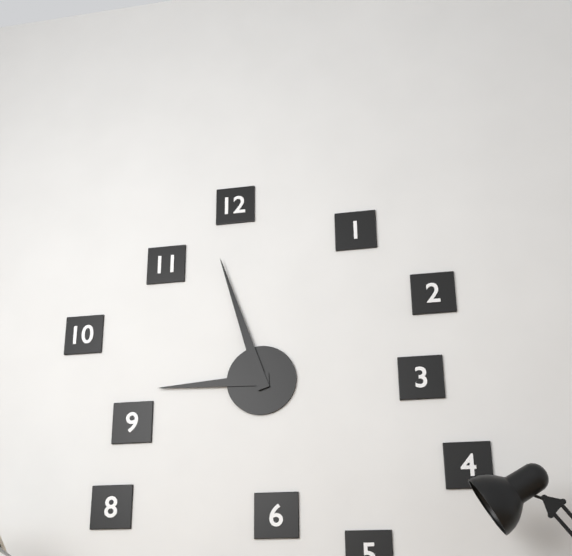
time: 8:57
